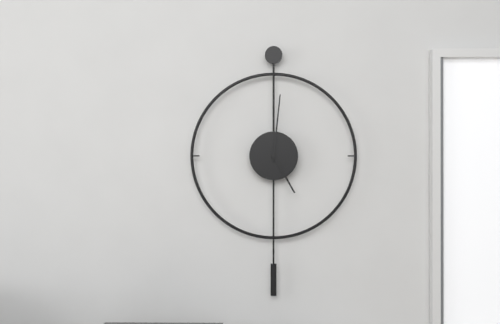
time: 5:01
